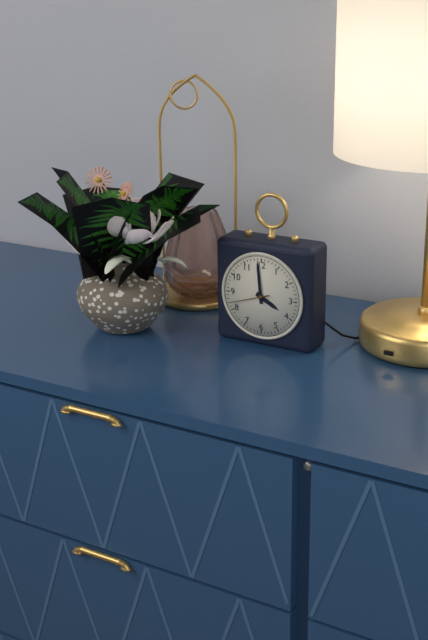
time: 3:59
